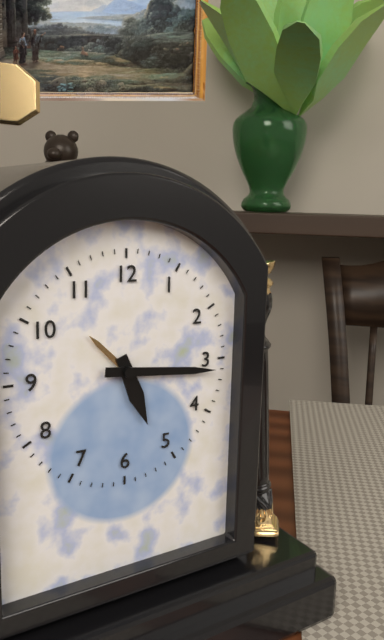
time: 5:16
